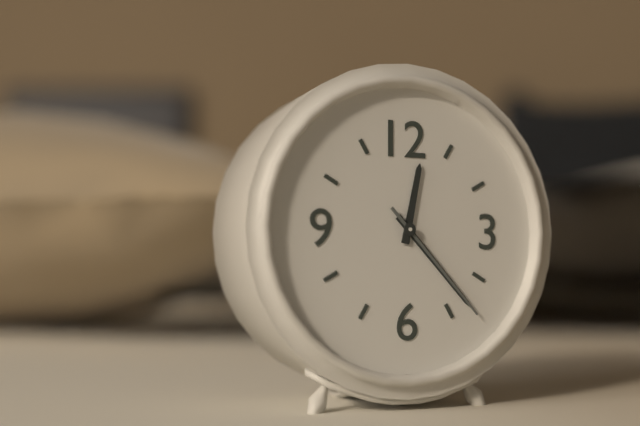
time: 12:23:23
